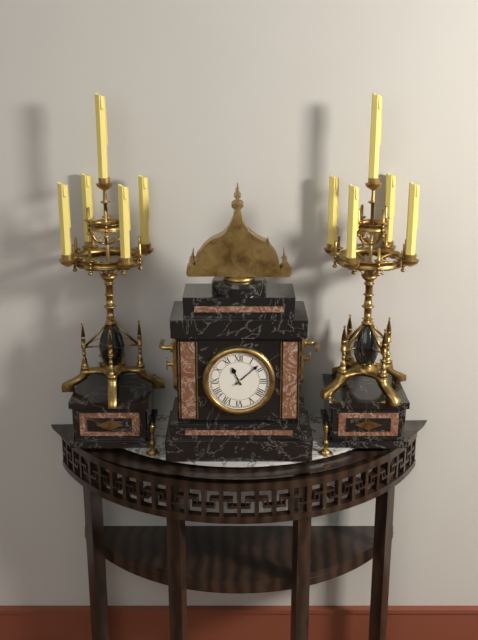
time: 11:08
